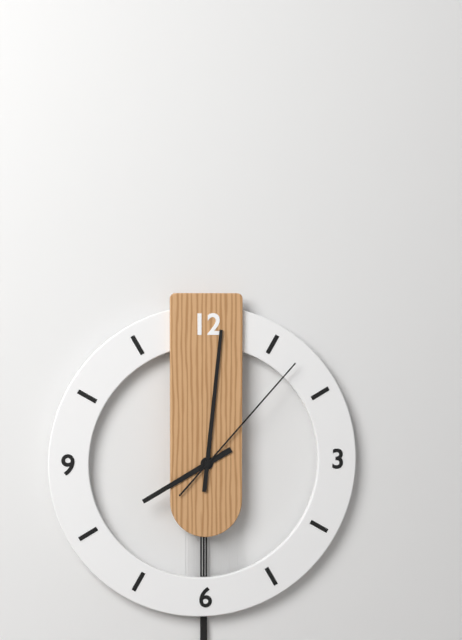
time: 8:01:07
